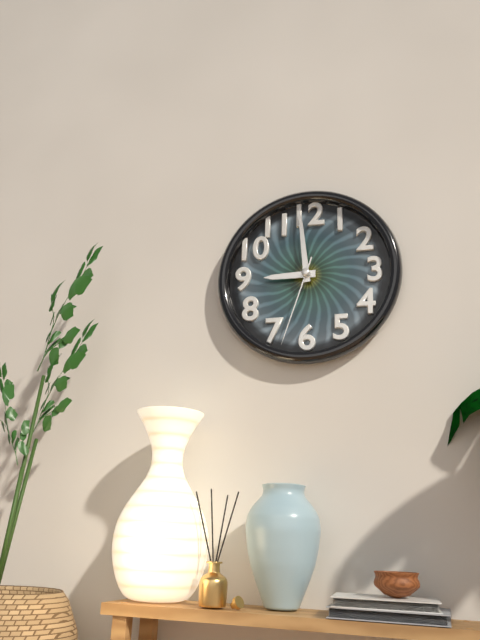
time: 8:59:33
